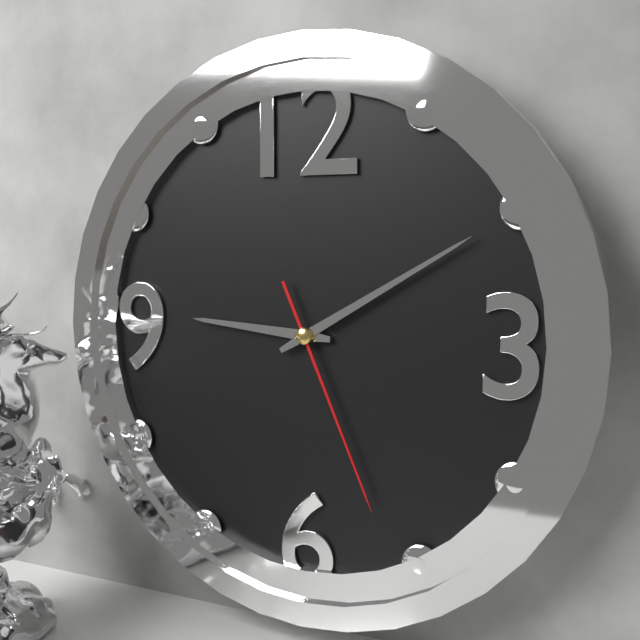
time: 9:10:26
